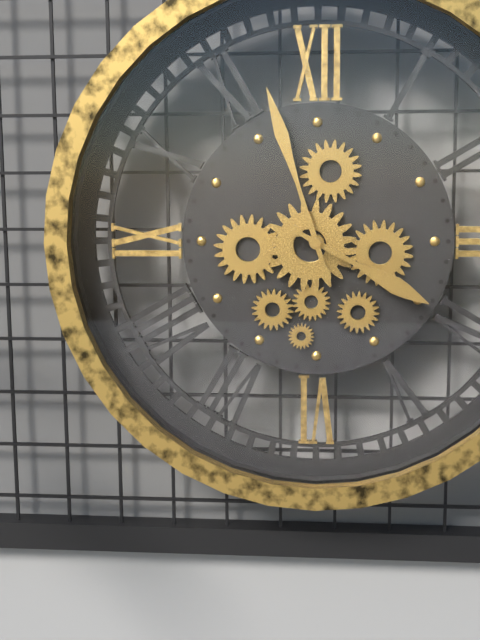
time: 3:57
